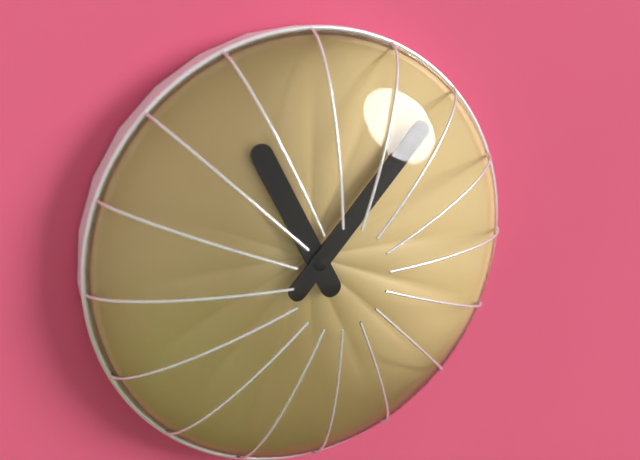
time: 11:07
